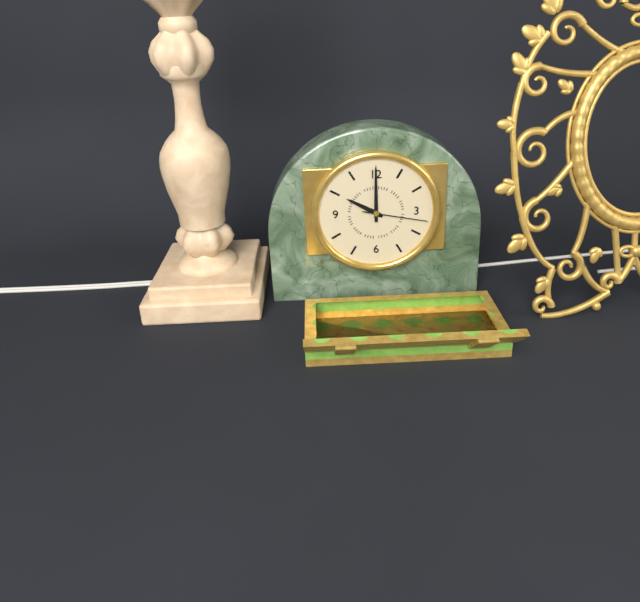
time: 10:00:17
